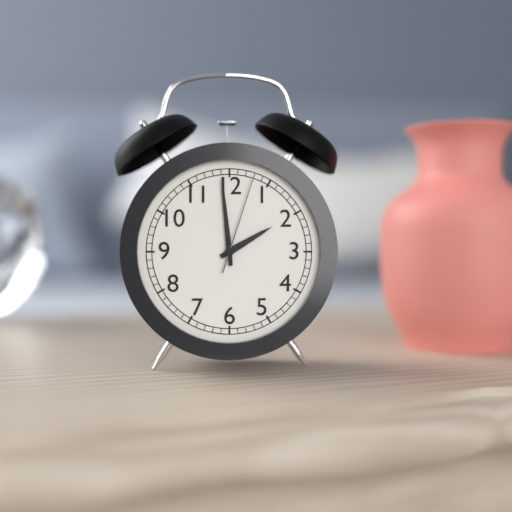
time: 1:59:03
